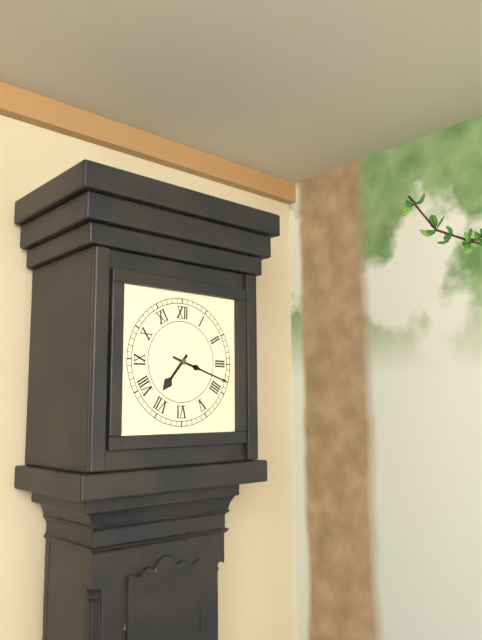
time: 7:18
